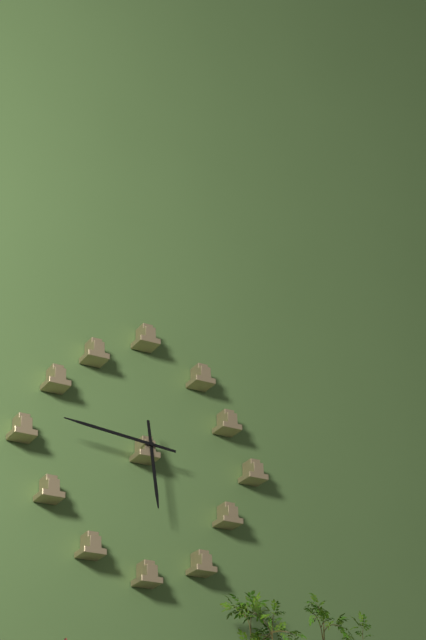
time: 5:46
